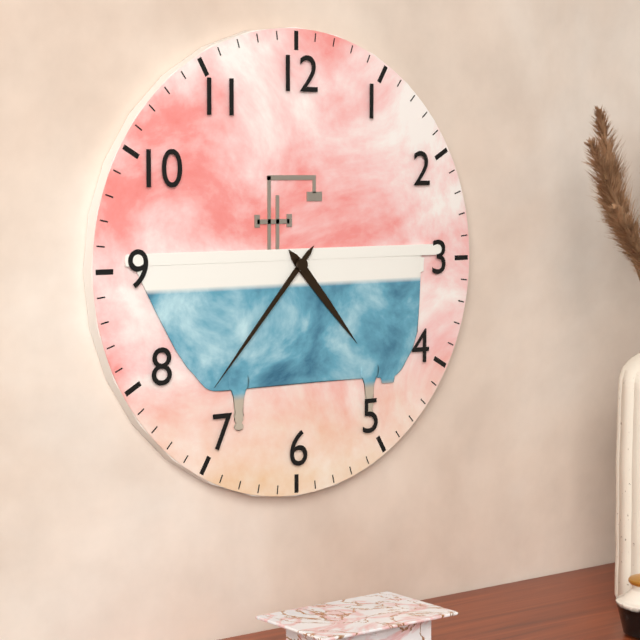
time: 4:37
